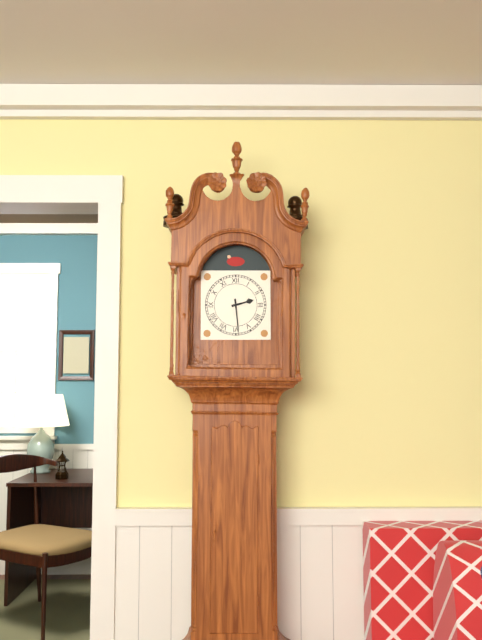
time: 2:29
